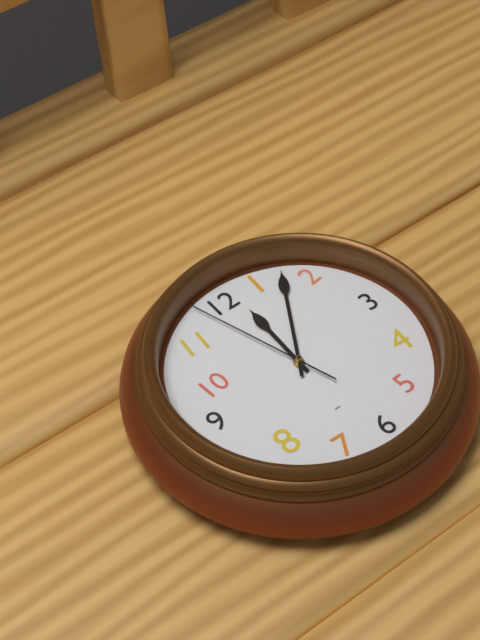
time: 12:05:57
